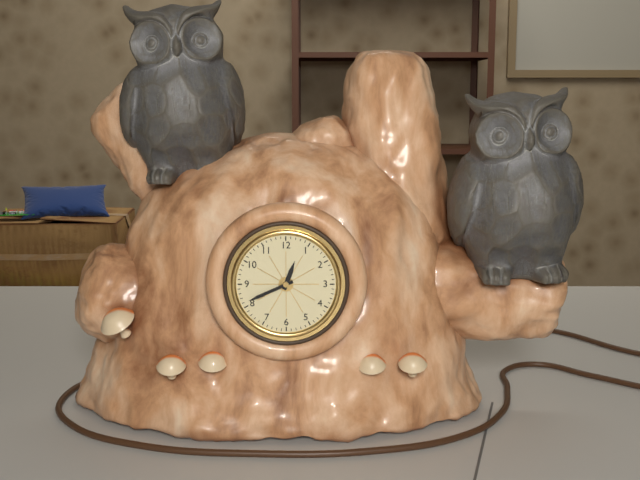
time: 12:41
